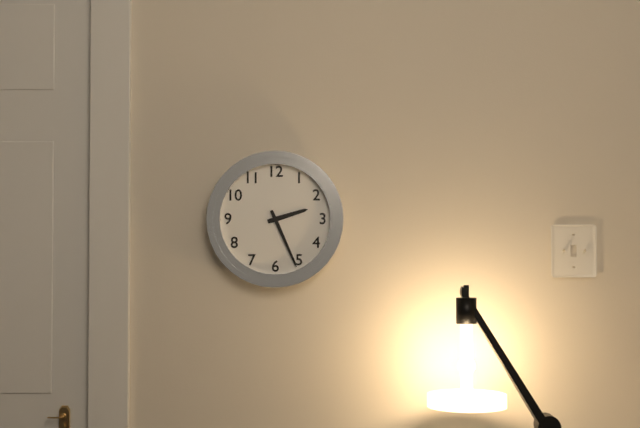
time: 2:26
